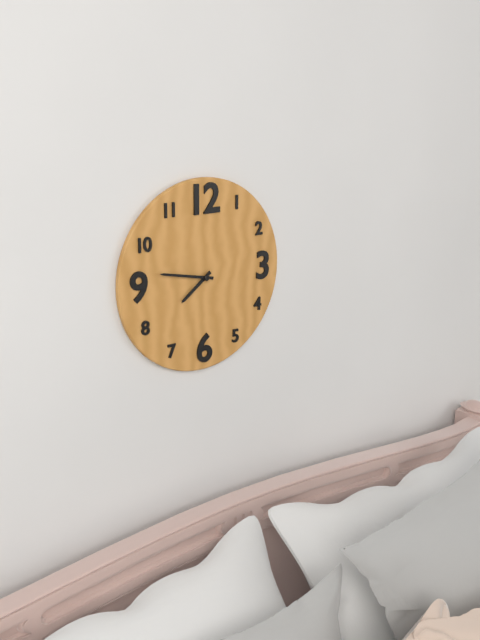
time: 7:47
